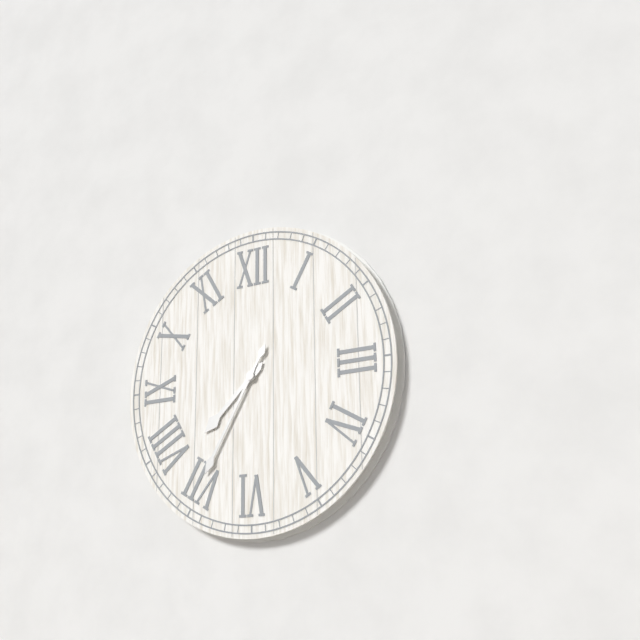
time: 7:35
